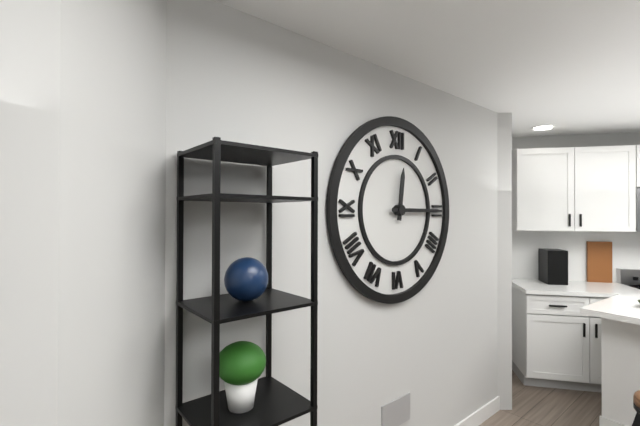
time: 12:15
